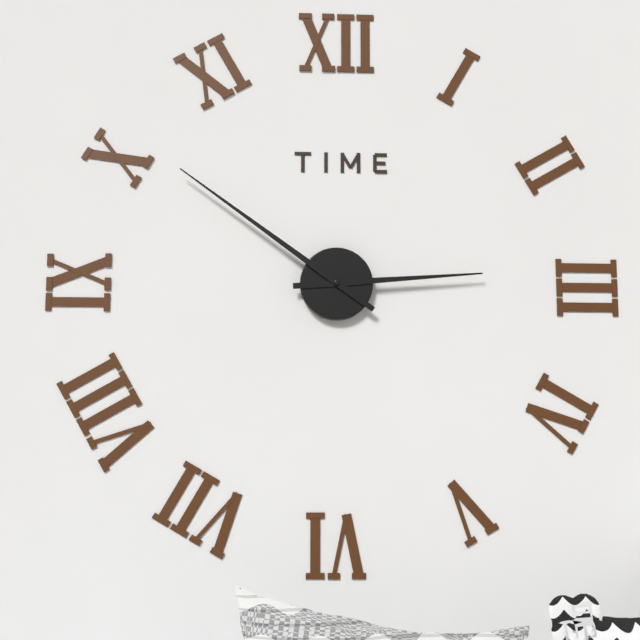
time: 2:51
